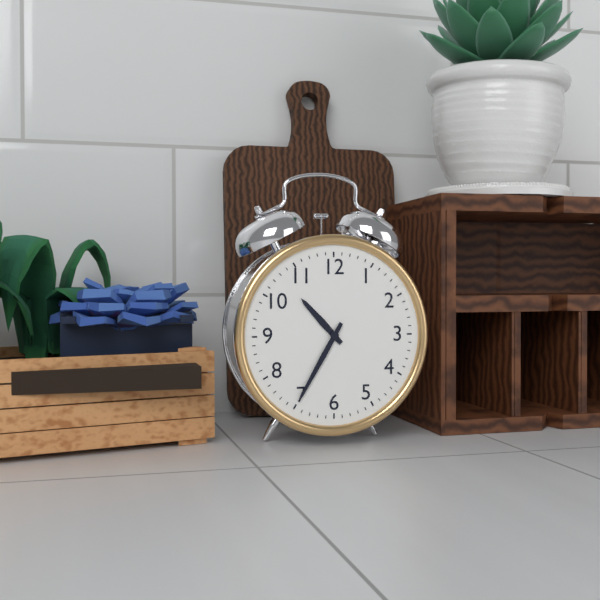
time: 10:35
